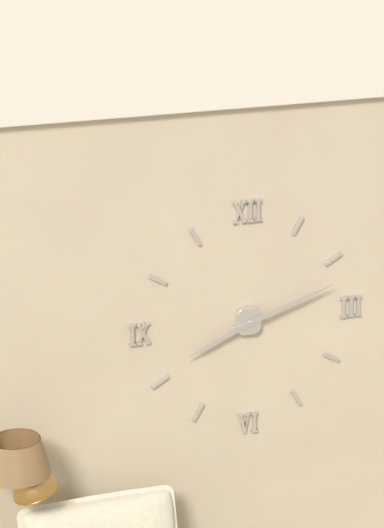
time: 8:12
